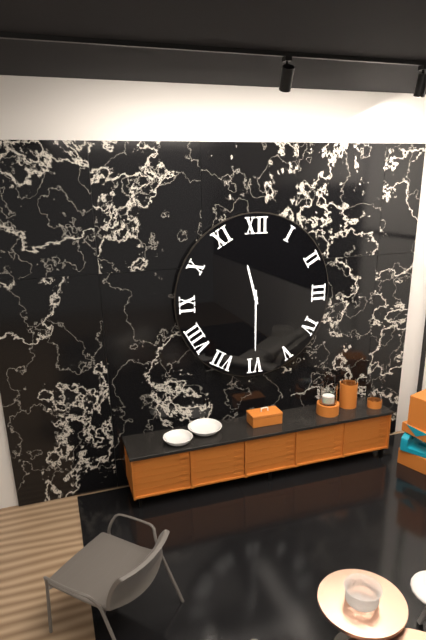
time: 11:30
